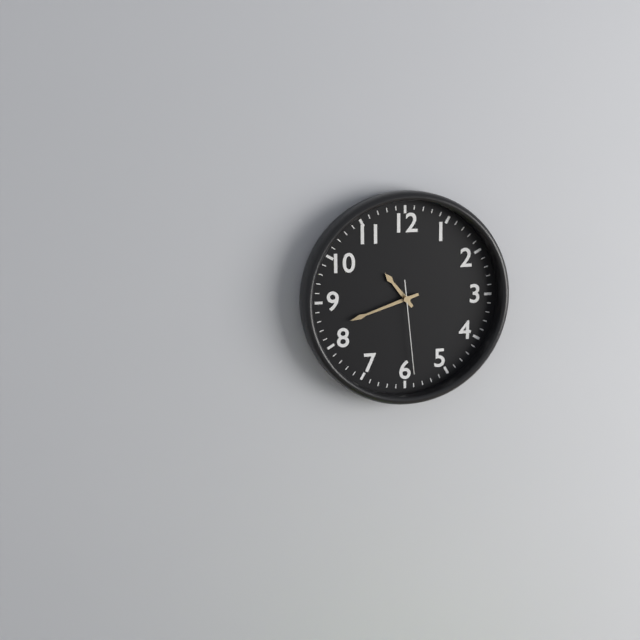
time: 10:42:29
